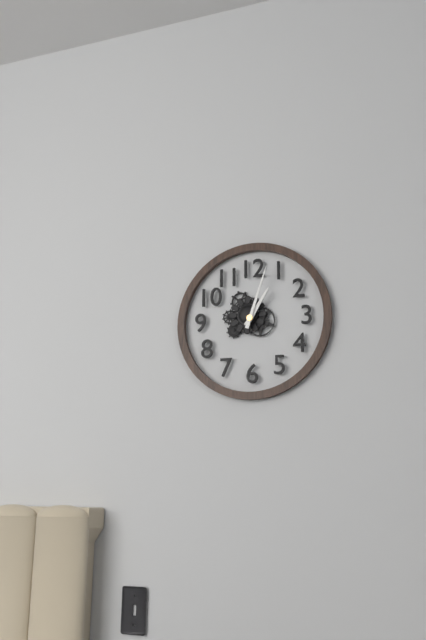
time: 1:03
